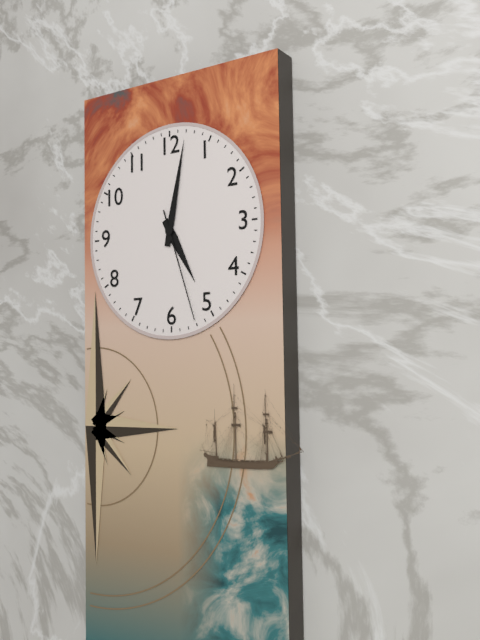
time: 5:02:27
